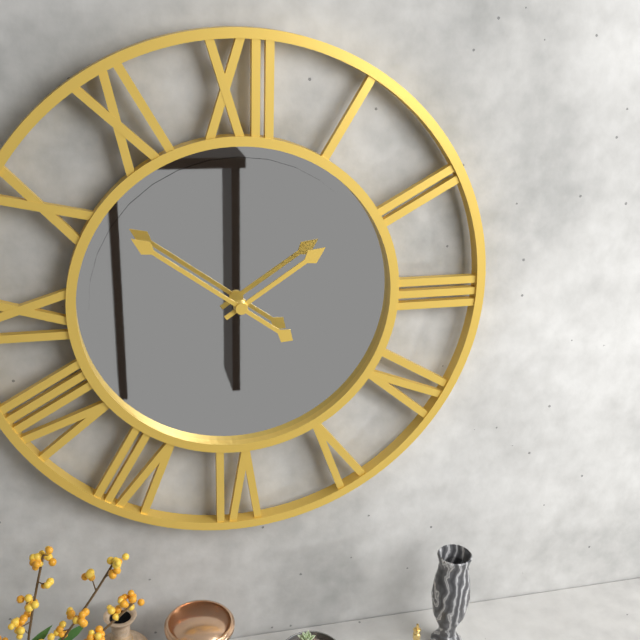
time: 1:51
